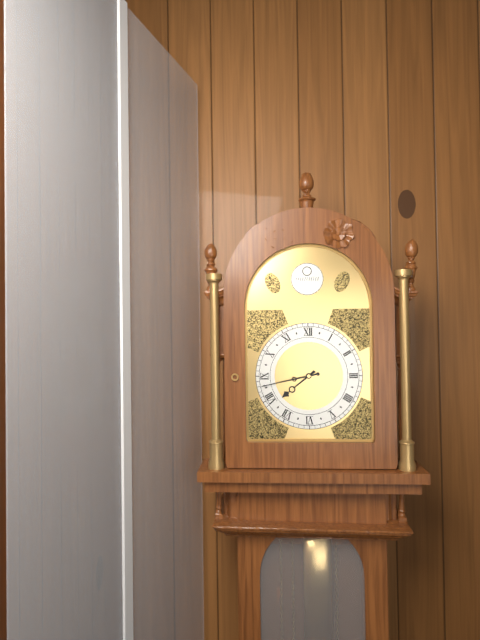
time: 7:43
